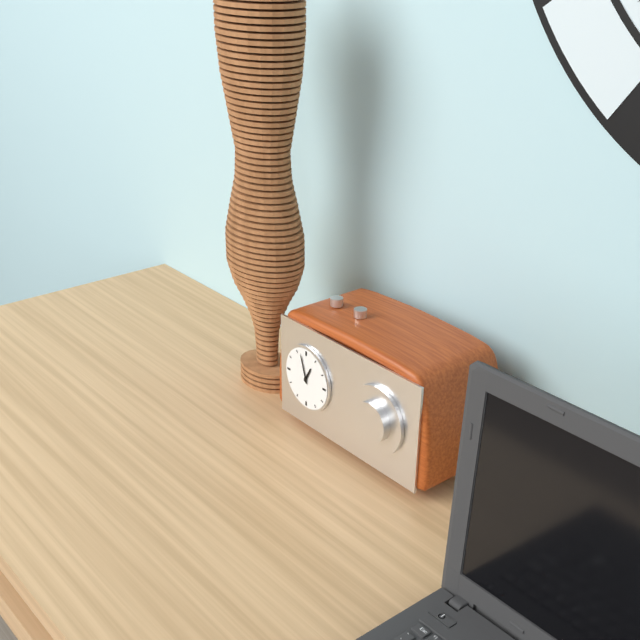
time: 12:57
